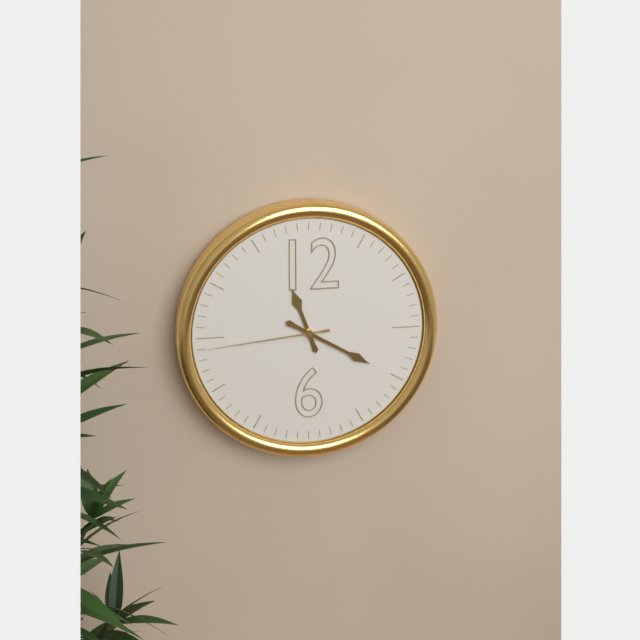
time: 11:20:44
